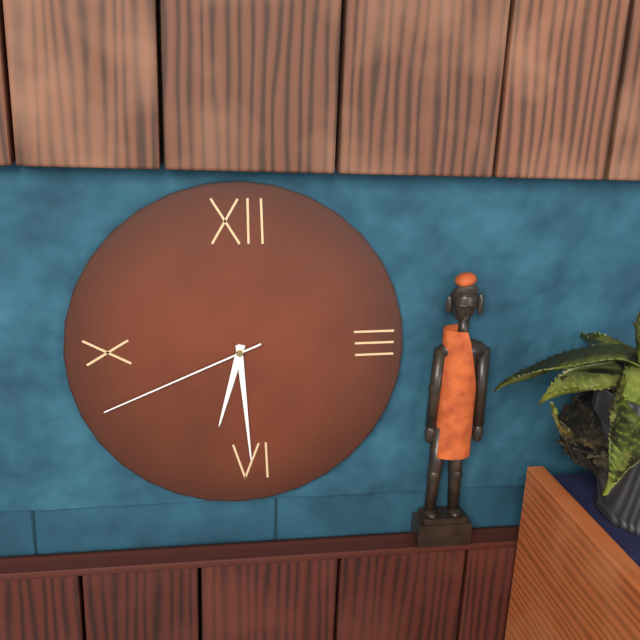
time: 6:29:41
